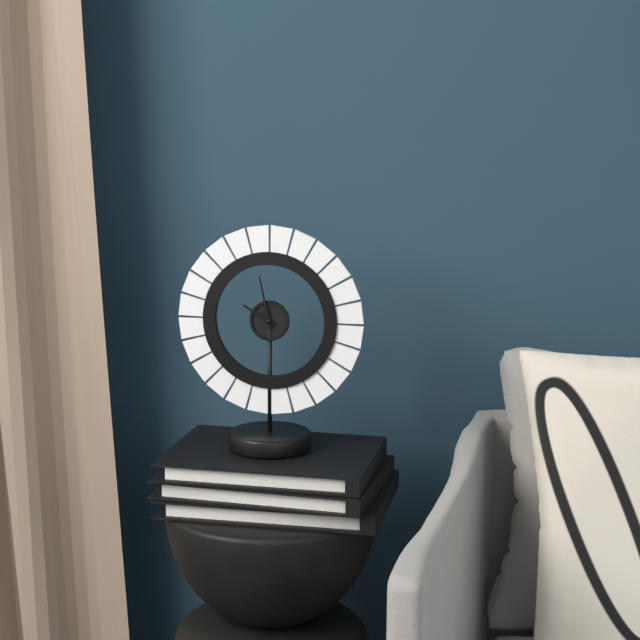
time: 9:58
